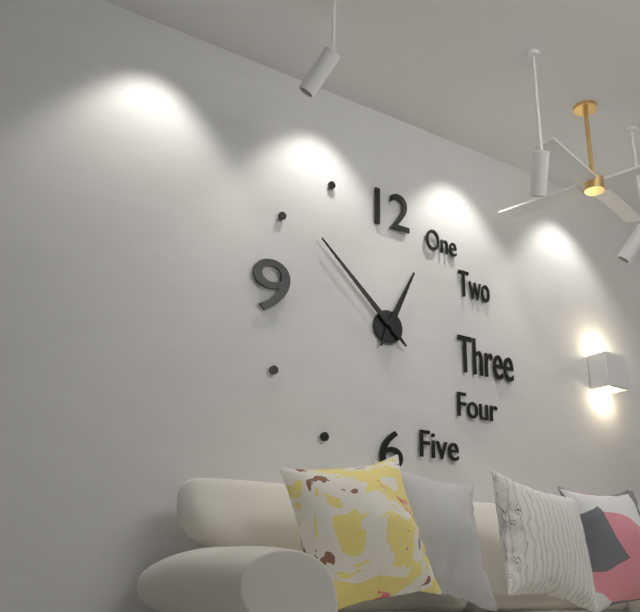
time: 12:52
